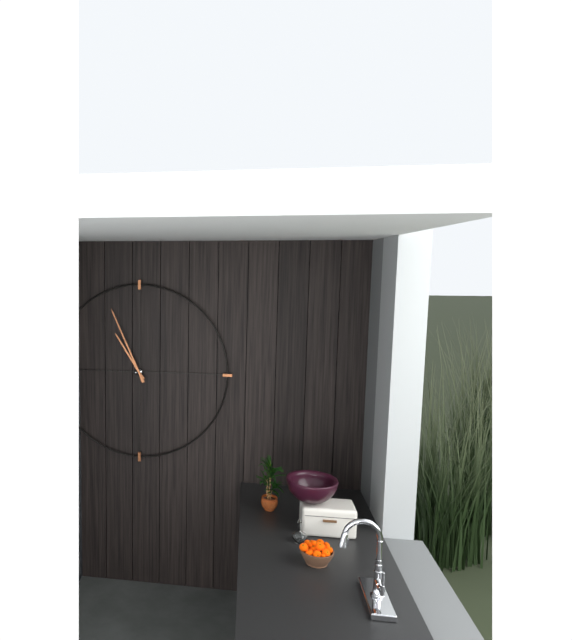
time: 10:56
